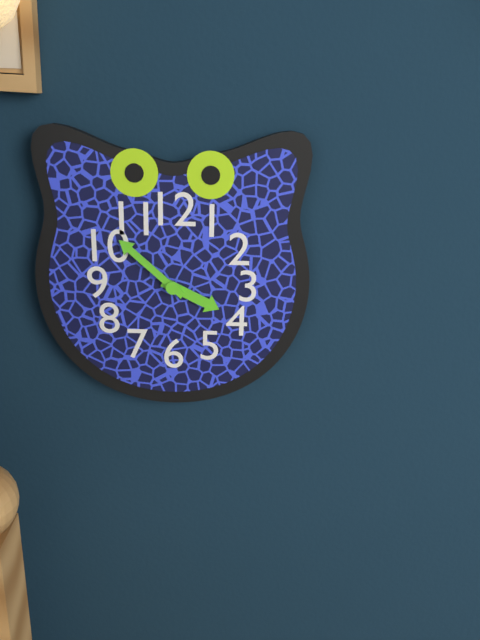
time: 3:52
